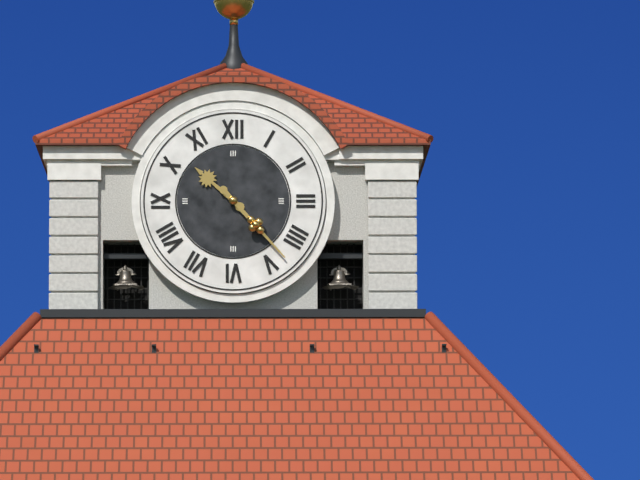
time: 10:23
